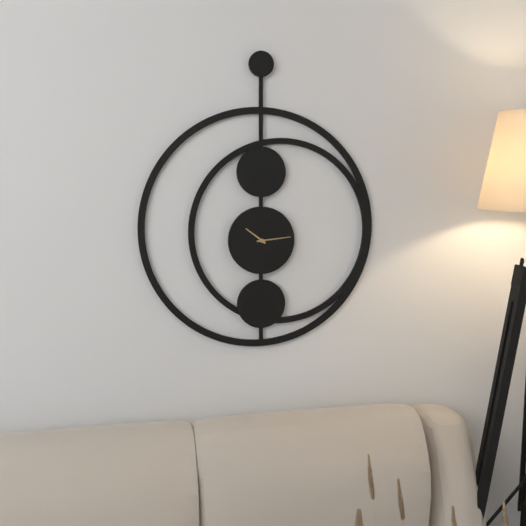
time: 10:14
